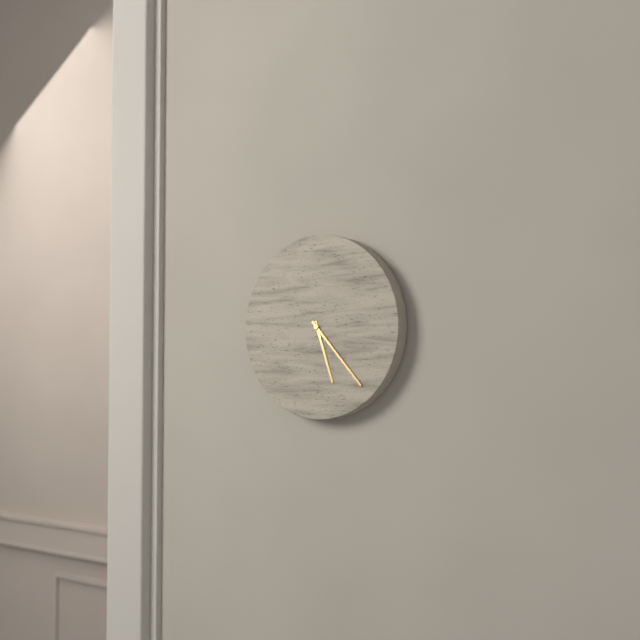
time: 5:23
